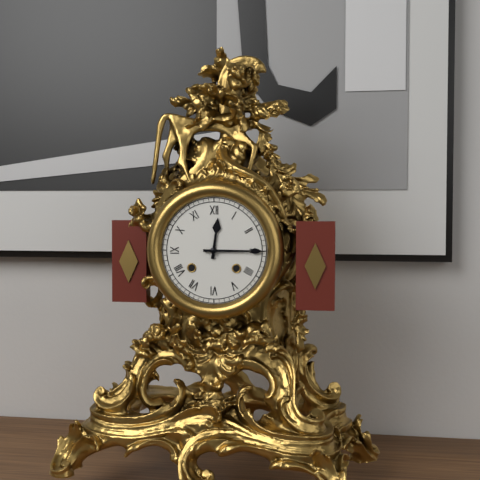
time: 12:15
